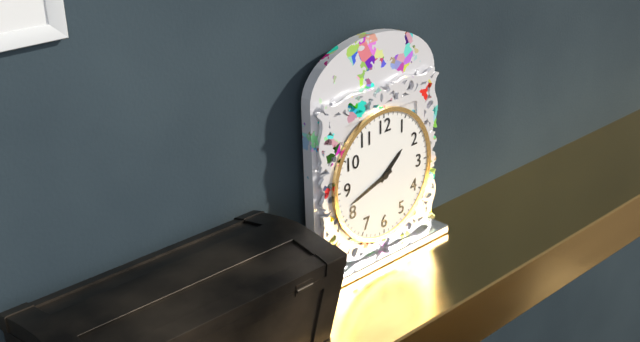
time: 1:42
